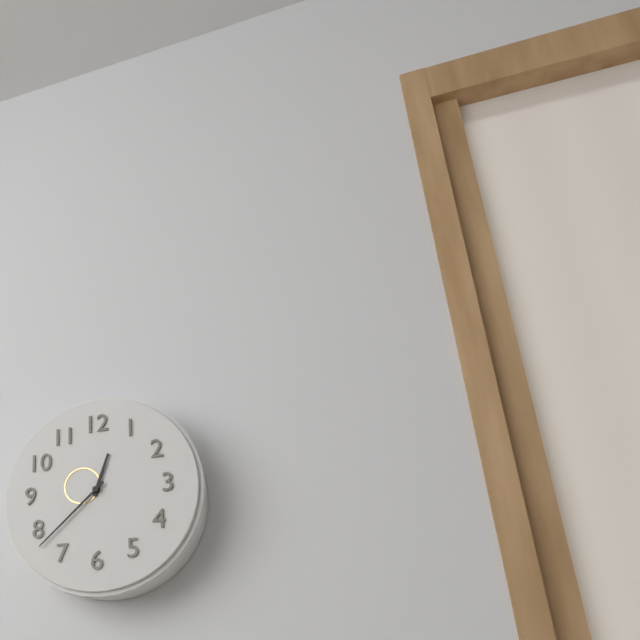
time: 12:38
